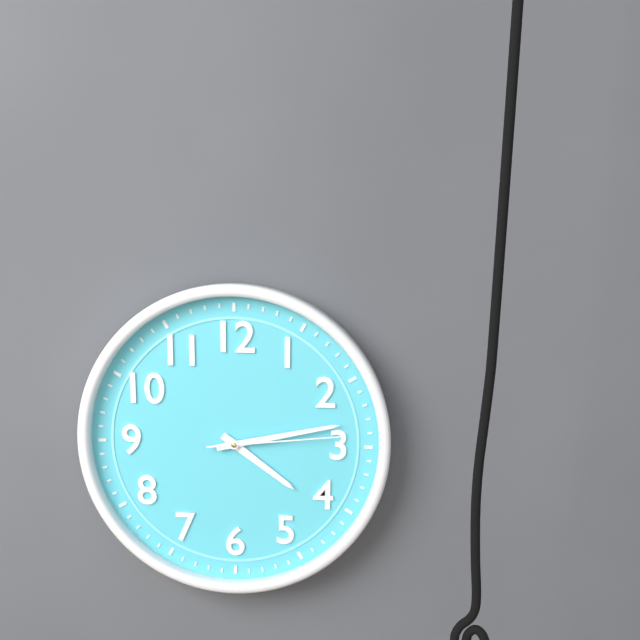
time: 4:13:14
